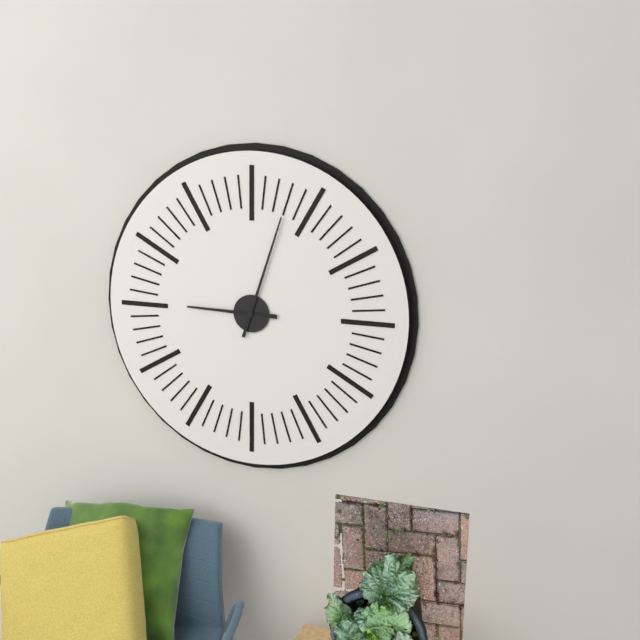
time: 9:03
